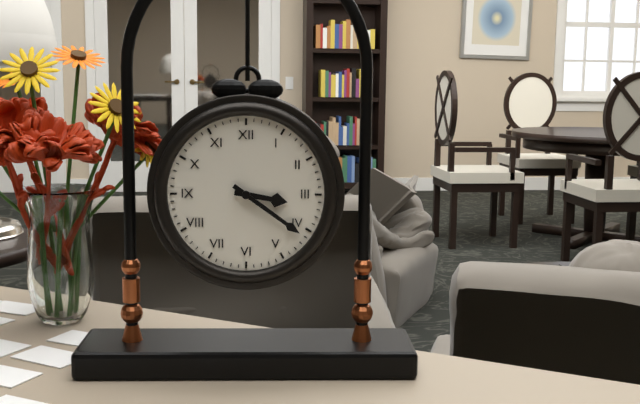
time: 3:21
